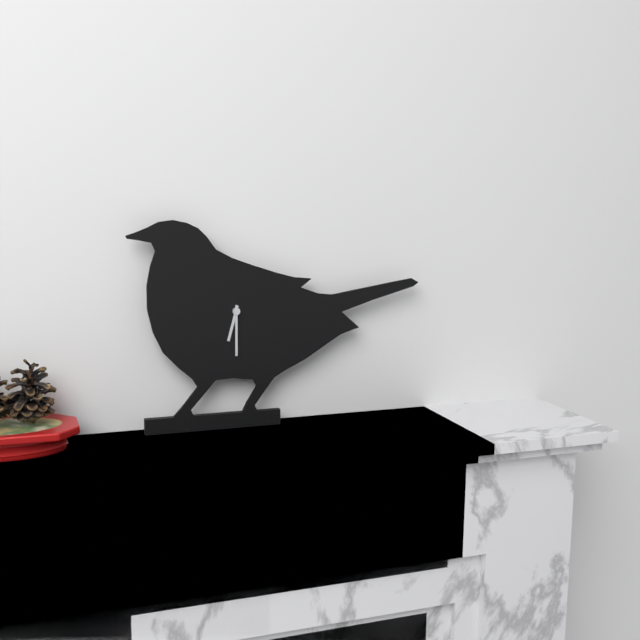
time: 6:30
